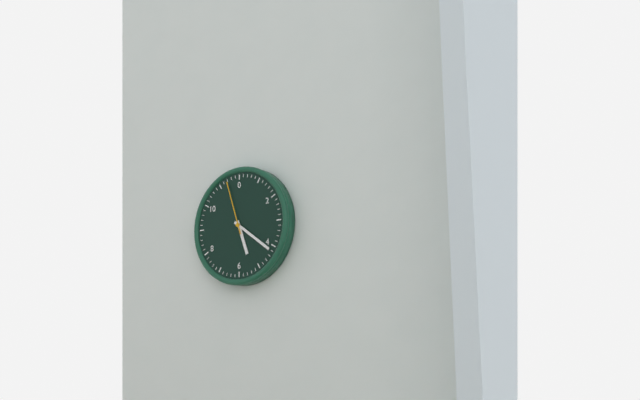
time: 5:21:57
